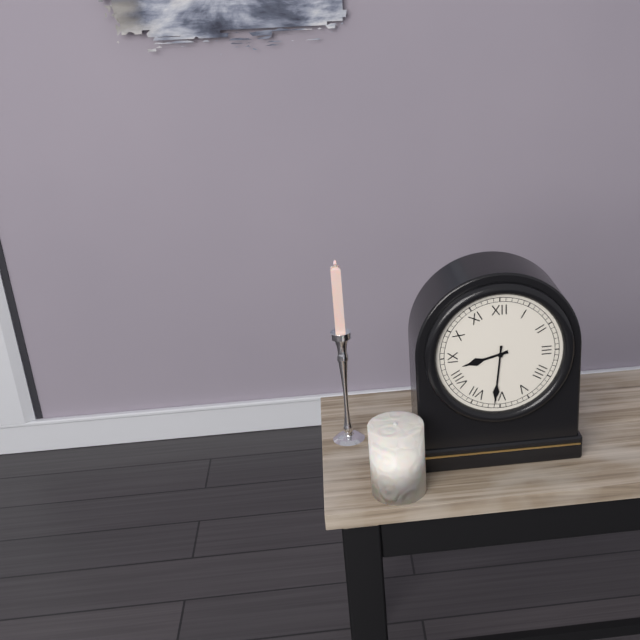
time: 8:31
